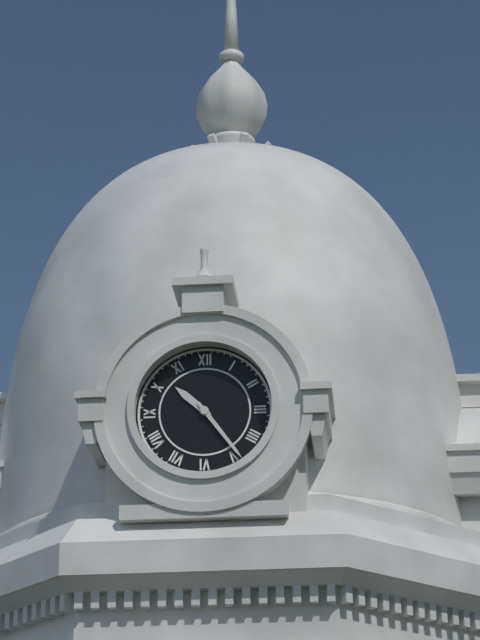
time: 10:24
